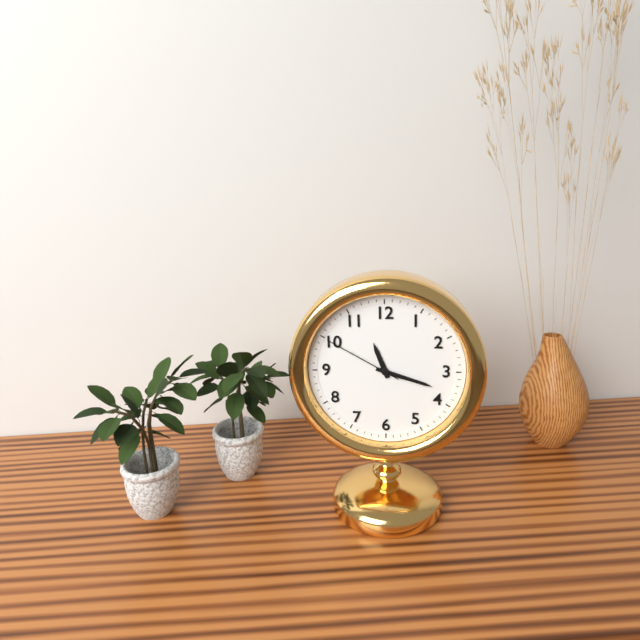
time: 11:18:50
